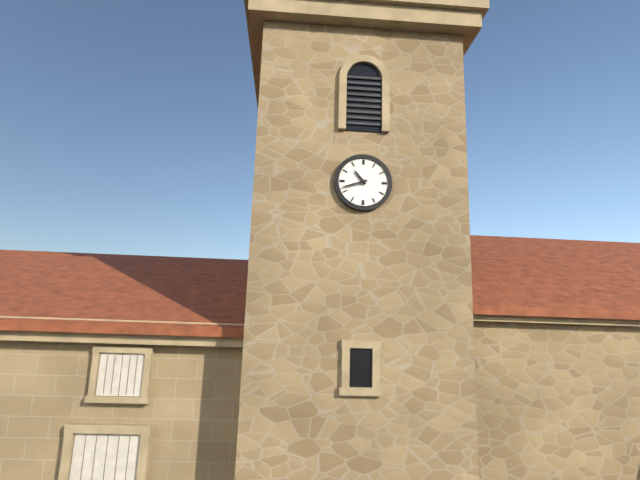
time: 10:42
